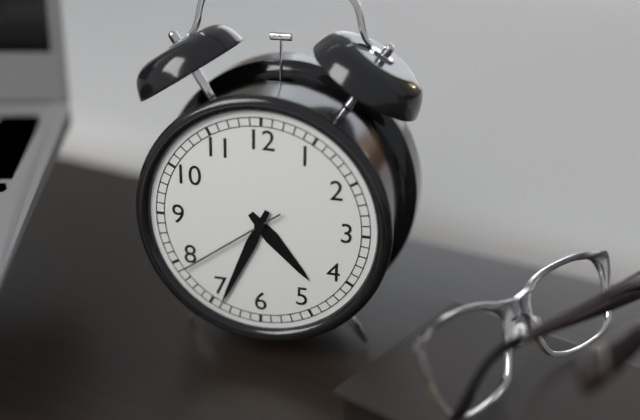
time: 4:34:39
